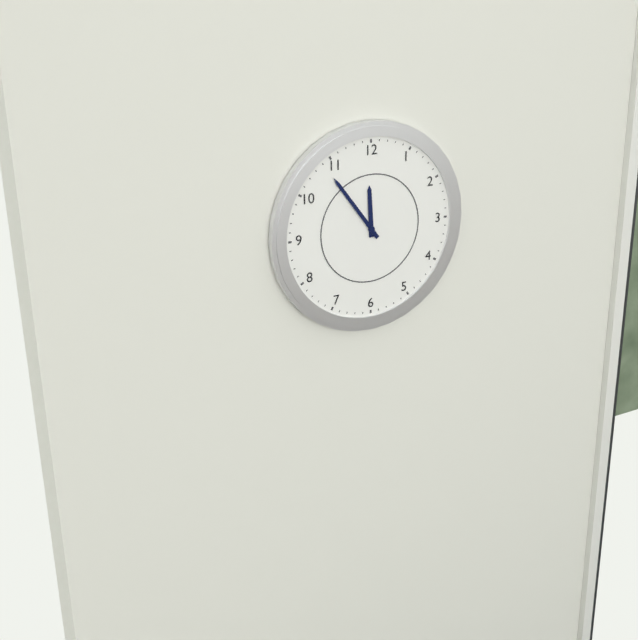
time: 11:54
